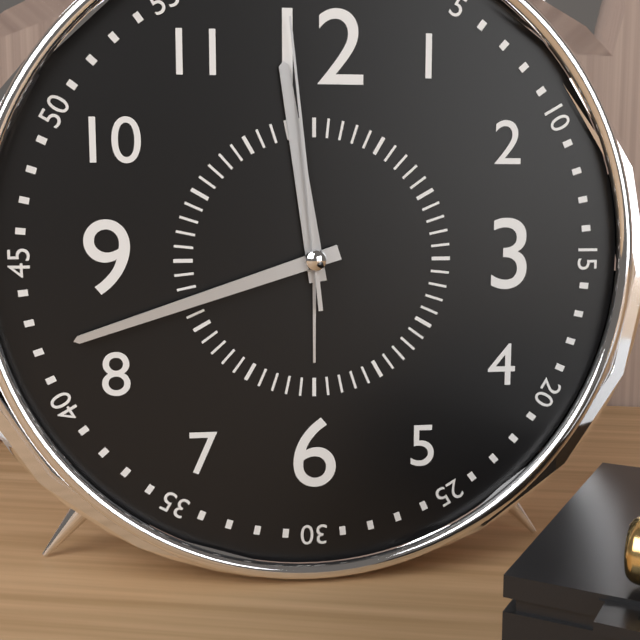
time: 11:42:59
